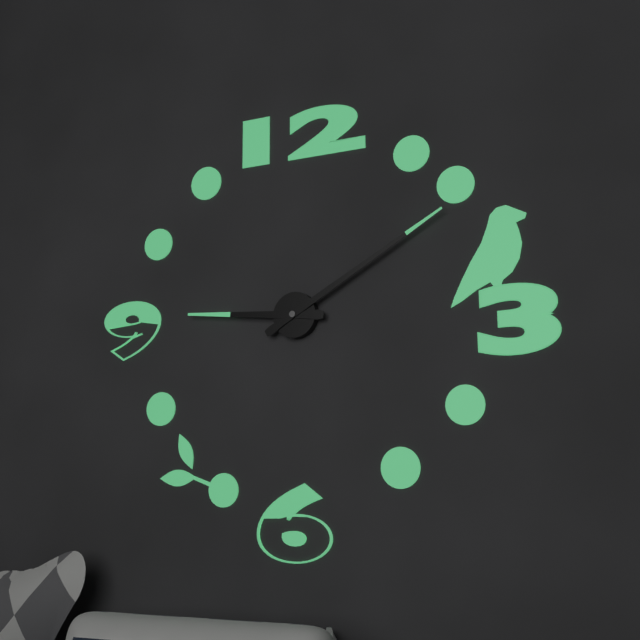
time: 9:10
